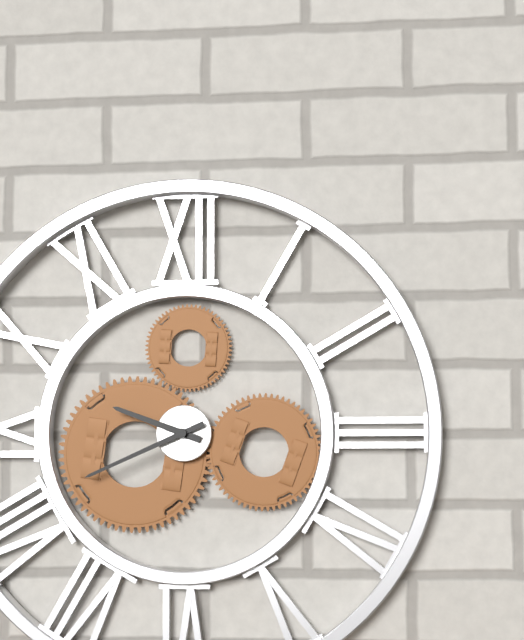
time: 9:41
